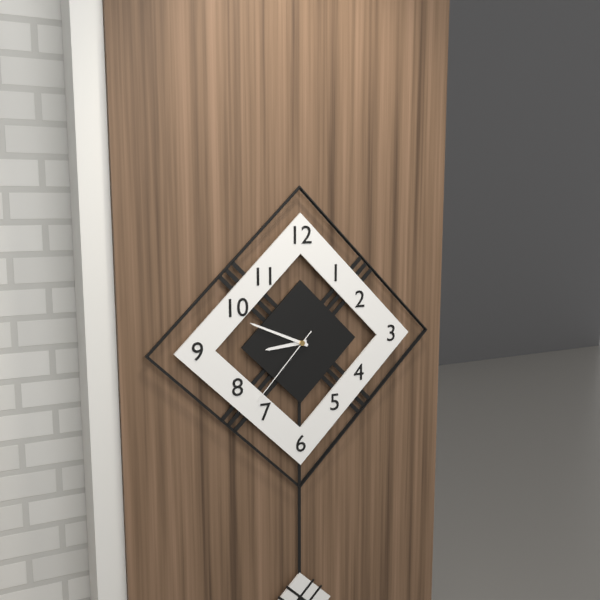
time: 8:49:37
